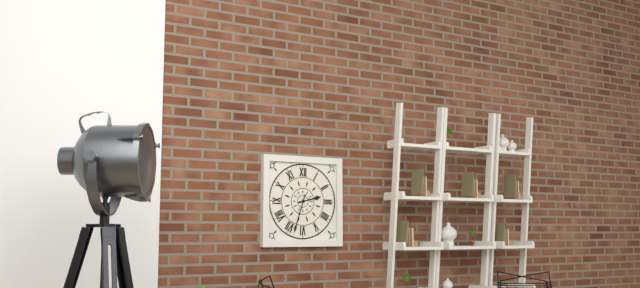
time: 2:33
